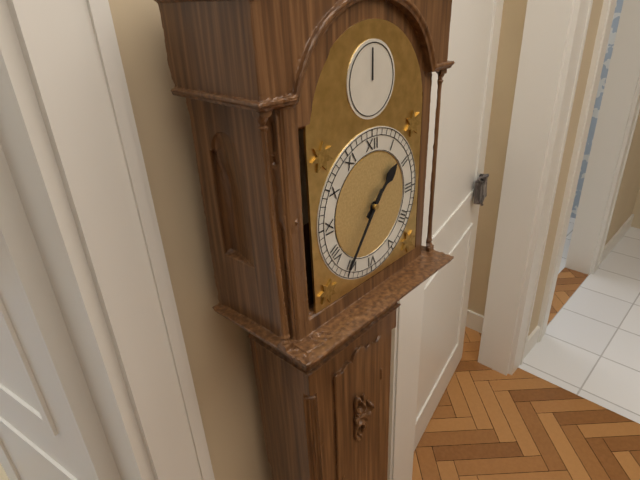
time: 1:36
